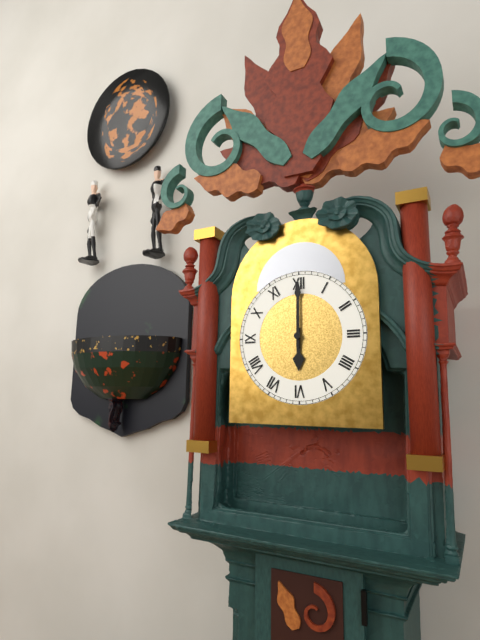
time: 6:00
